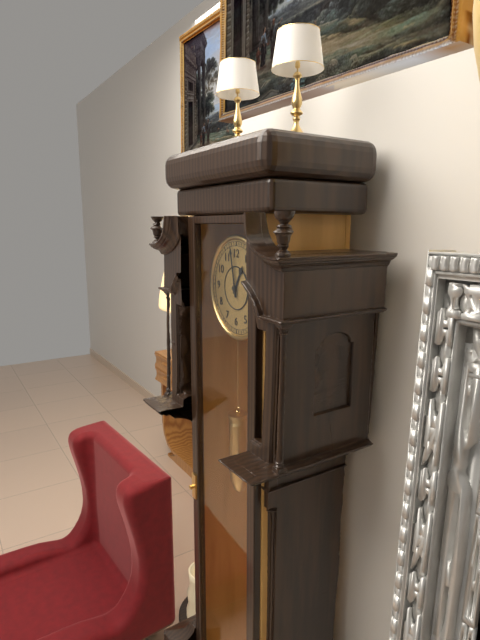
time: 12:58
